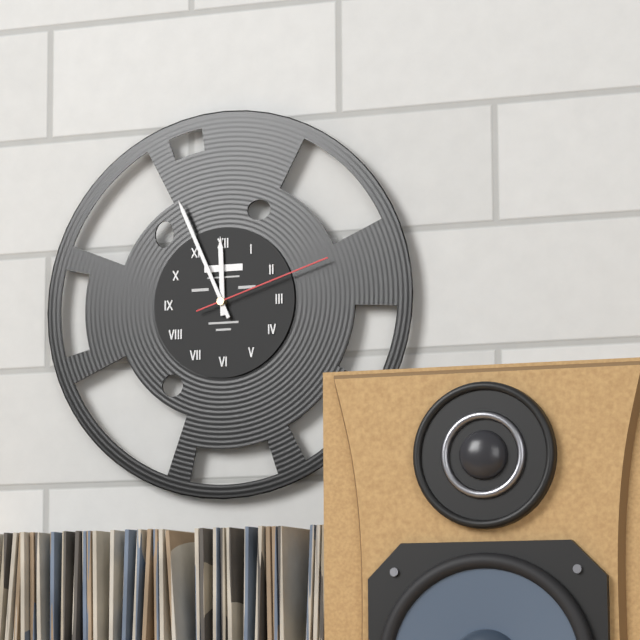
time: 11:56:12
